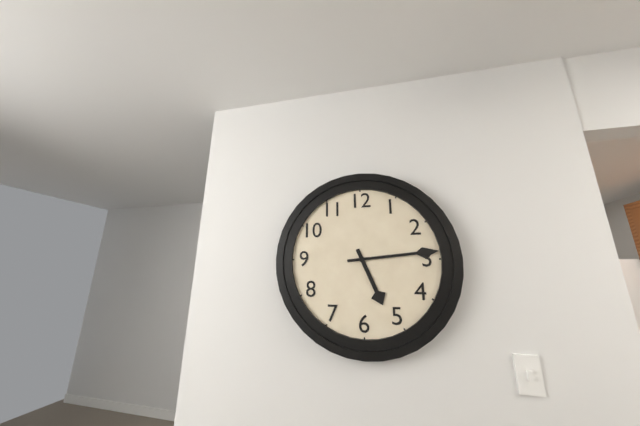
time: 5:14
